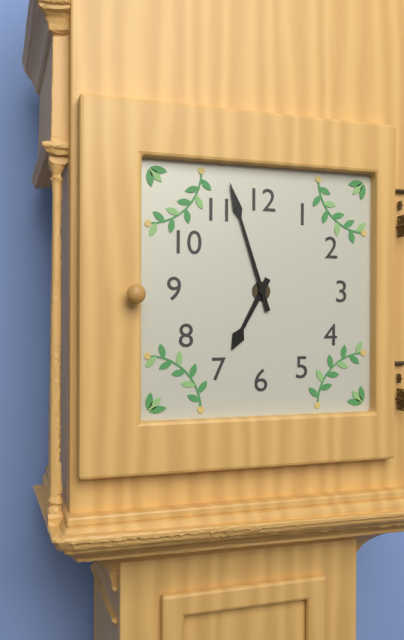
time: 6:57
